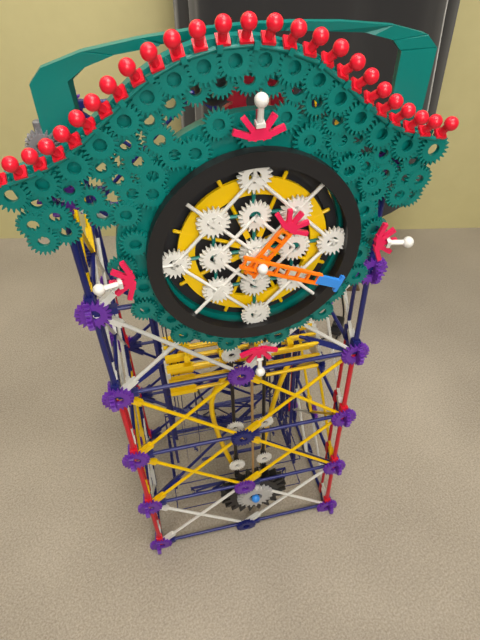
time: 1:19
